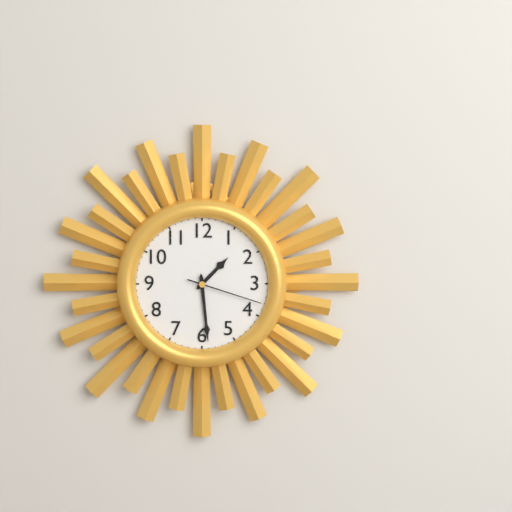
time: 1:29:18
